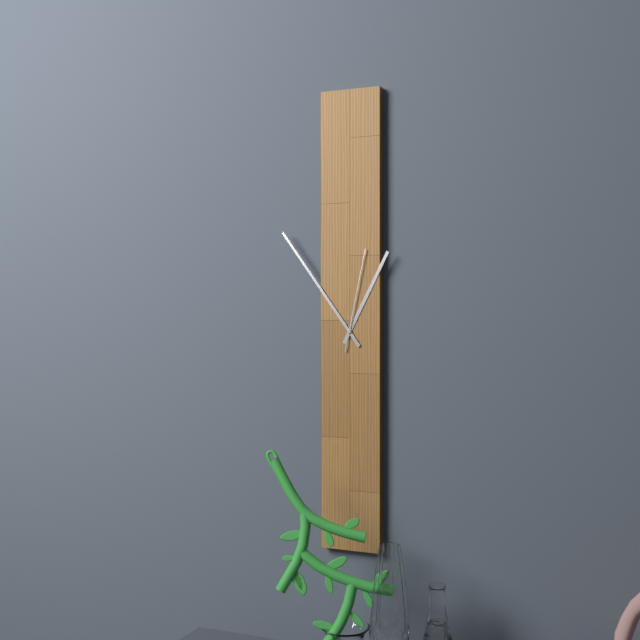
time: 12:54:02
